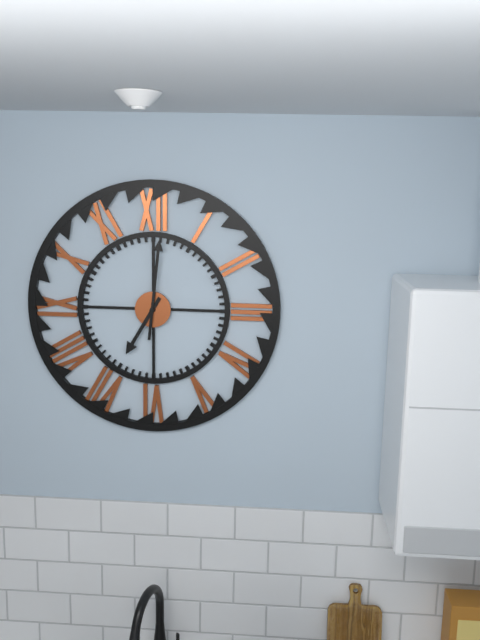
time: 7:01
